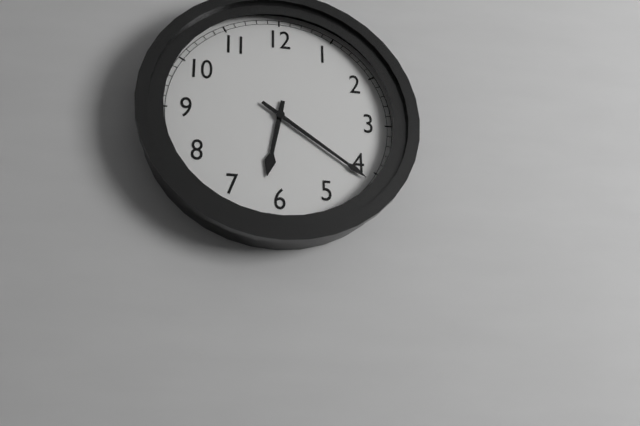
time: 6:21
